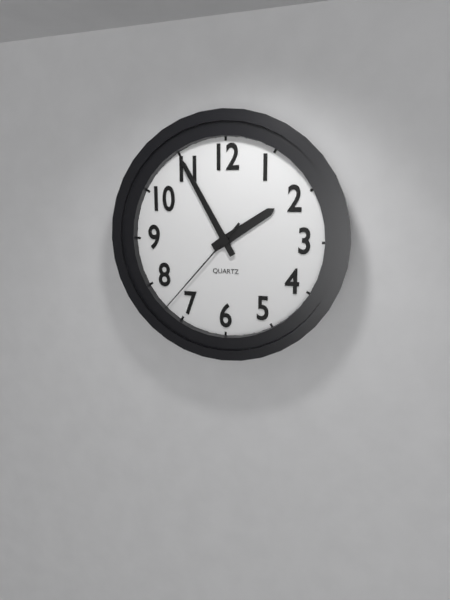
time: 1:55:37
